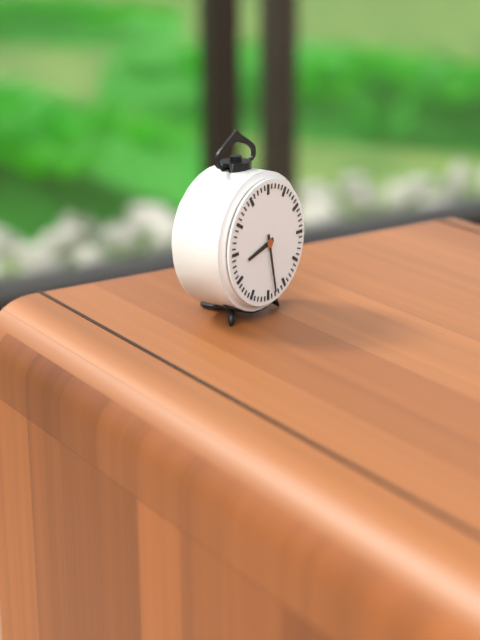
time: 8:28
